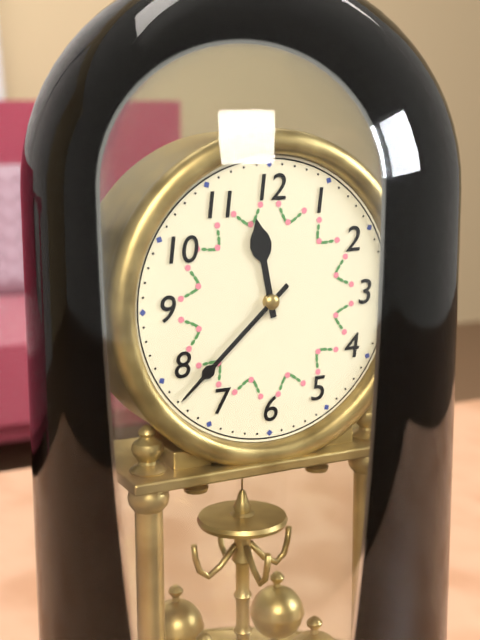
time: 11:38
